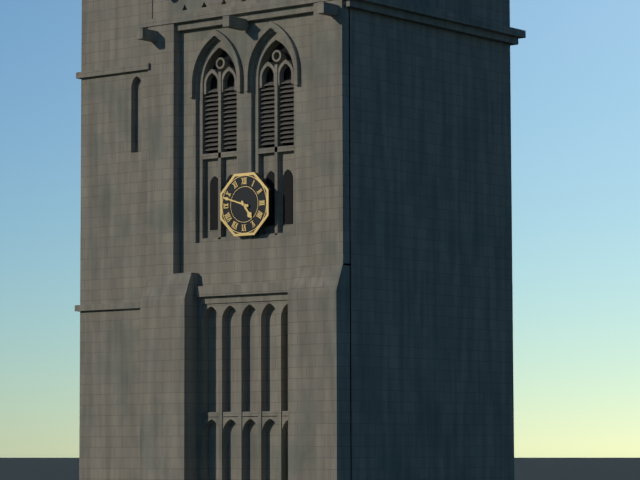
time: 4:48
